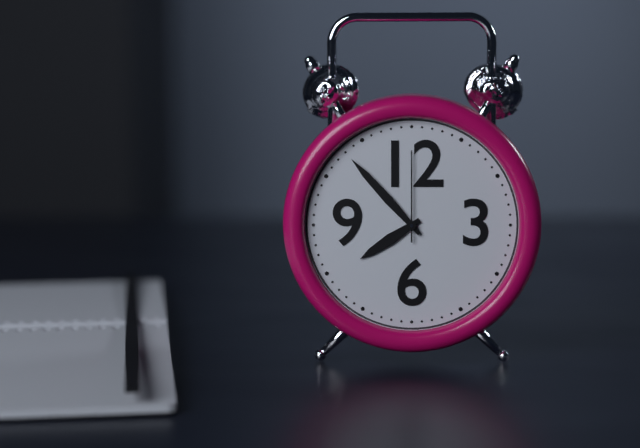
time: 7:53:00
